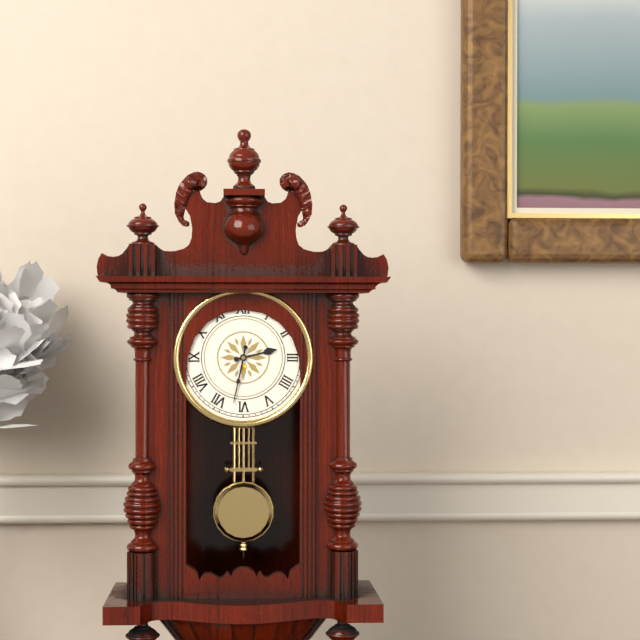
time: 2:32
